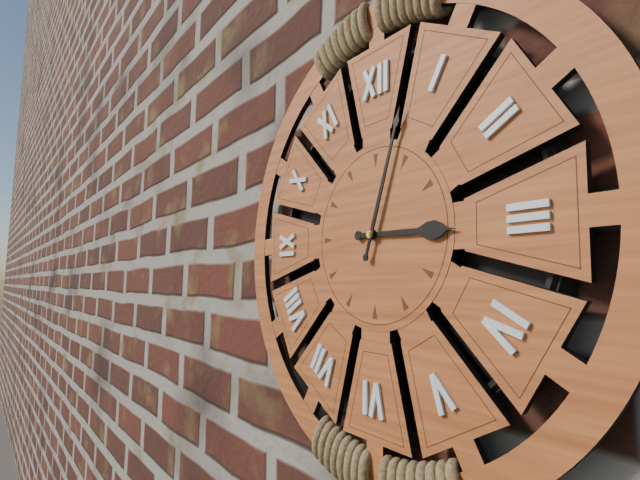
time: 3:03
